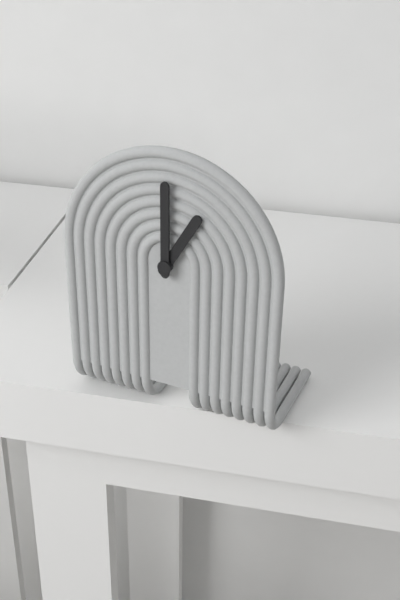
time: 1:00
